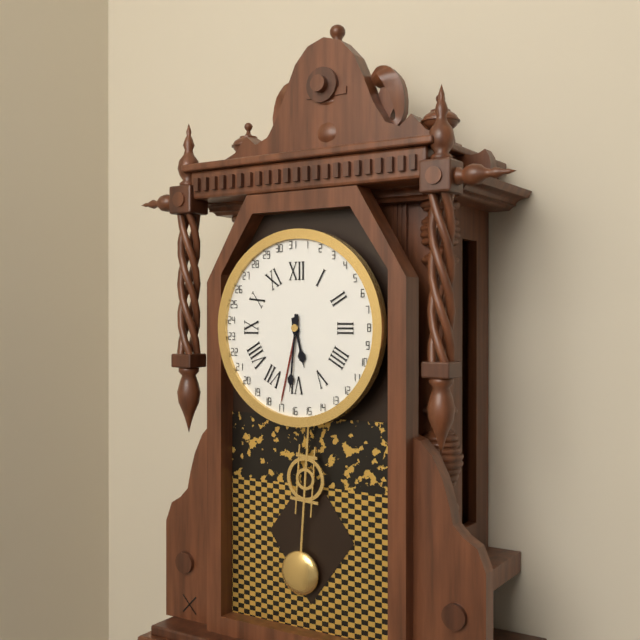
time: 5:31
